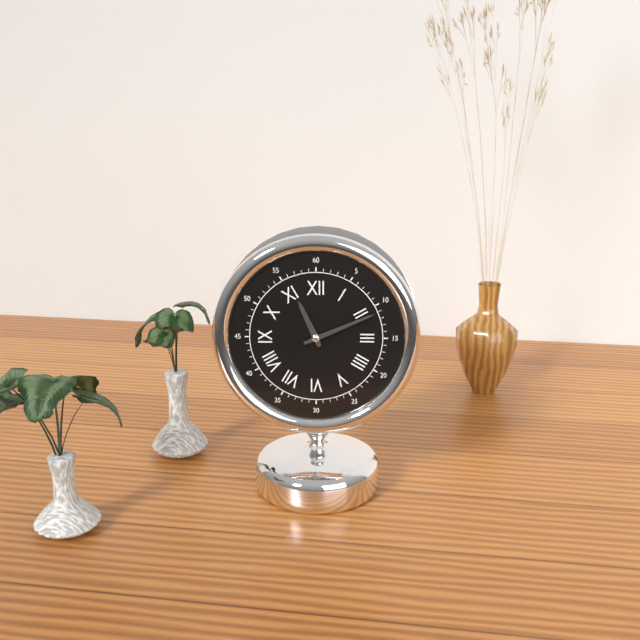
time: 11:11
